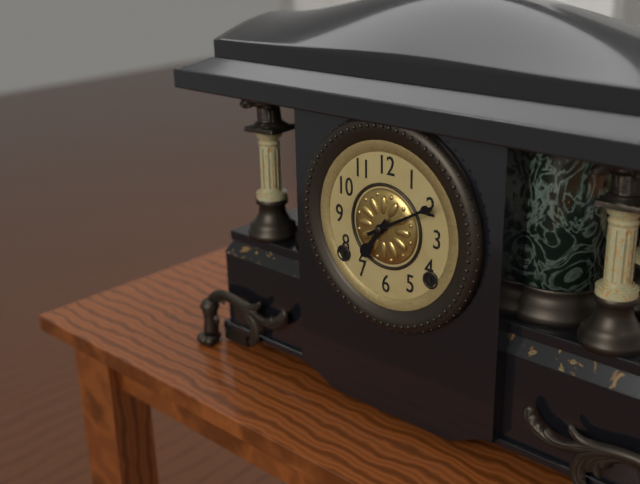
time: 7:10
